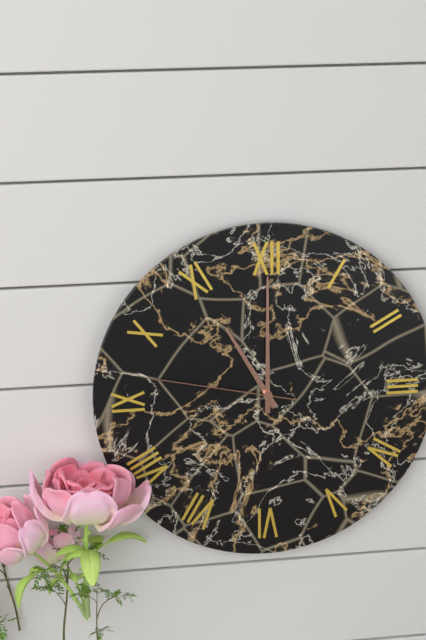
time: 11:00:47
